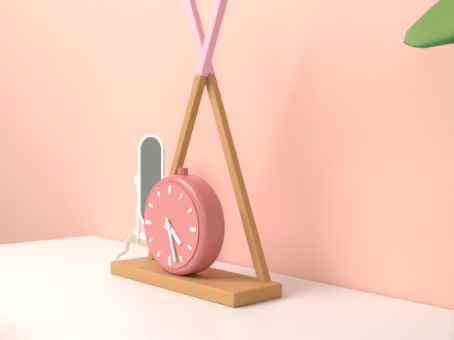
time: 4:27
